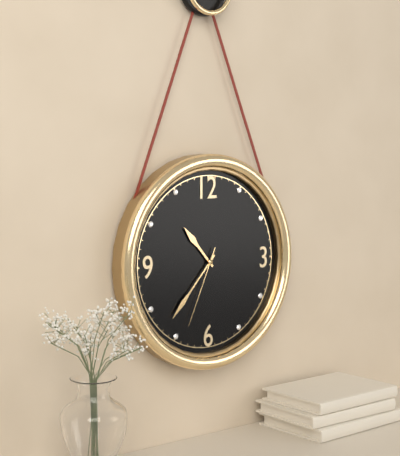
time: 10:37:34
